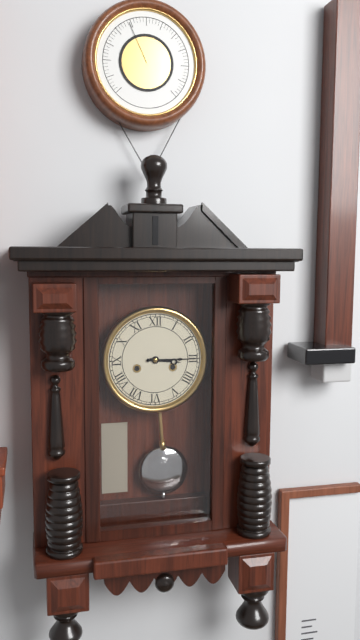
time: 3:15
